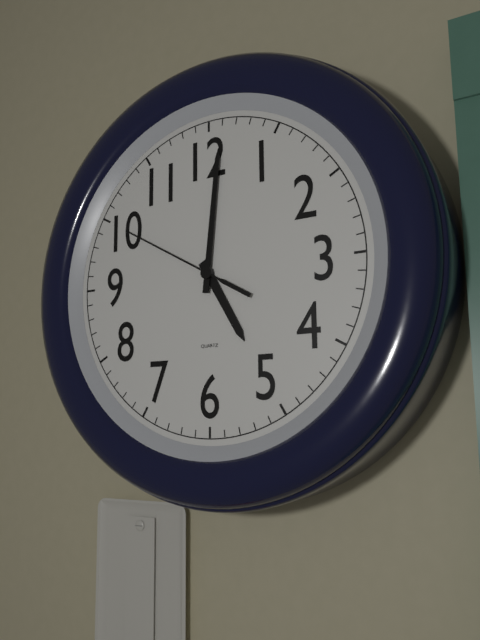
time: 5:01:50
